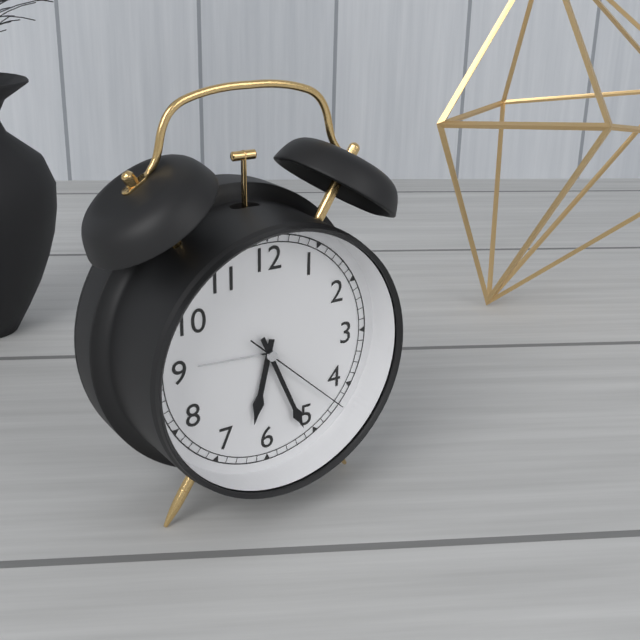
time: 6:26:22
